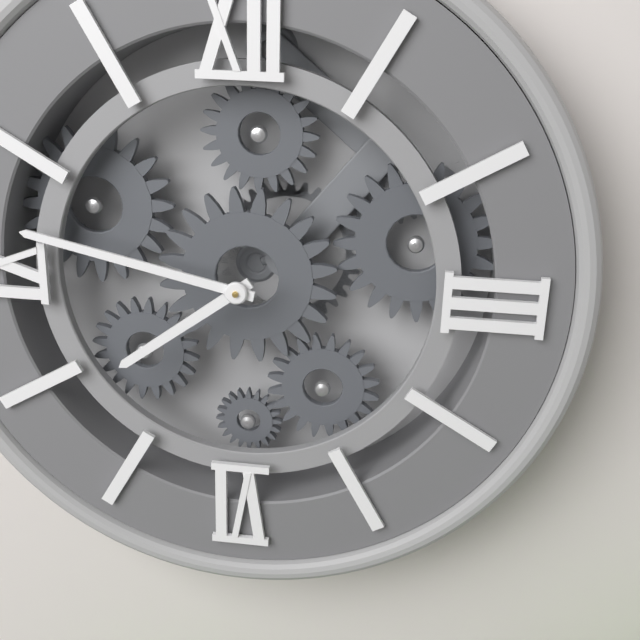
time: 7:47
